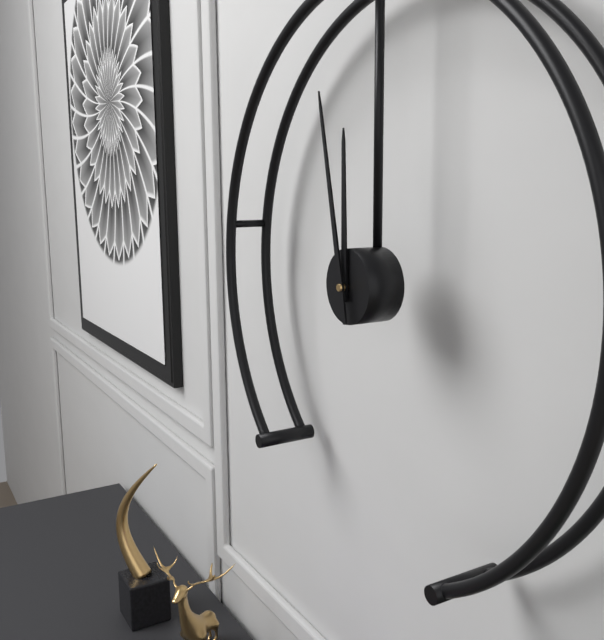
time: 11:58
